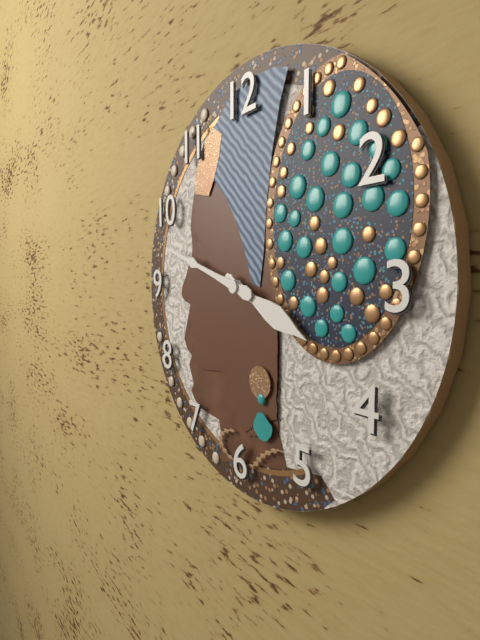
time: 3:48
